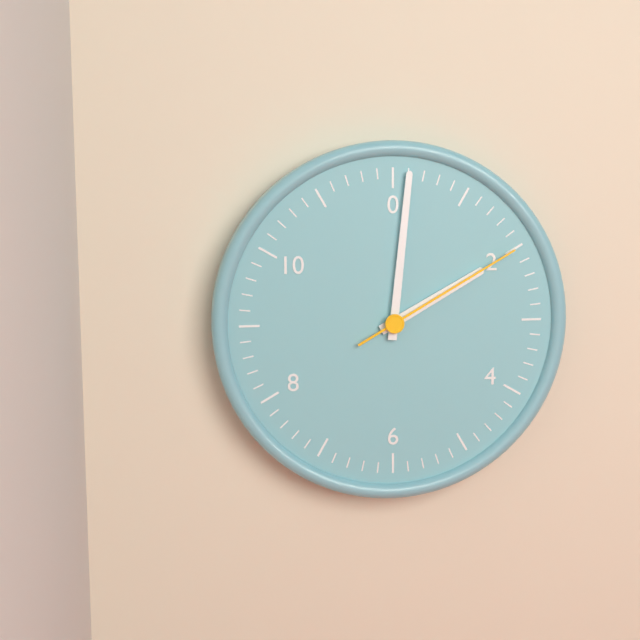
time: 2:01:10
